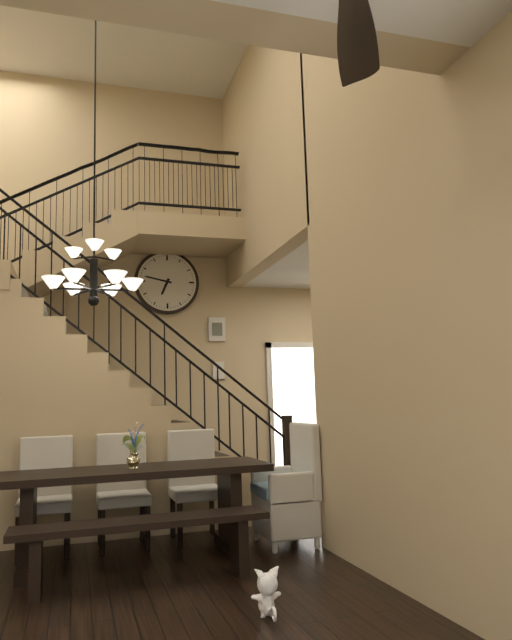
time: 6:47
